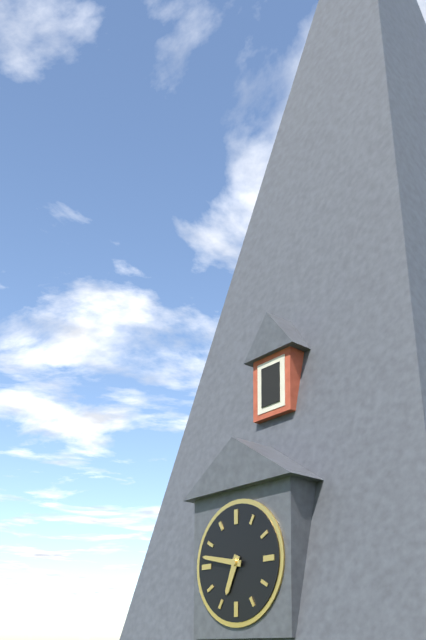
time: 6:47
